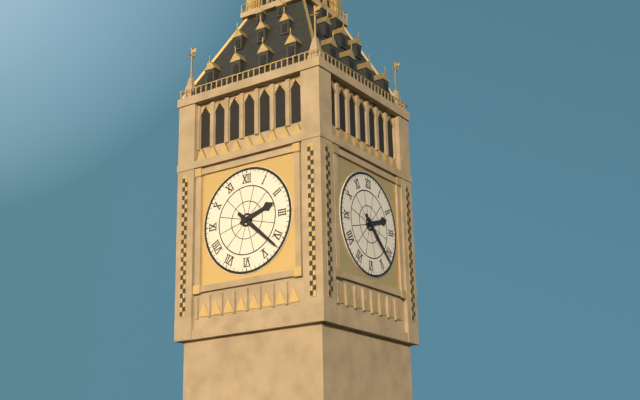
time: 2:22
